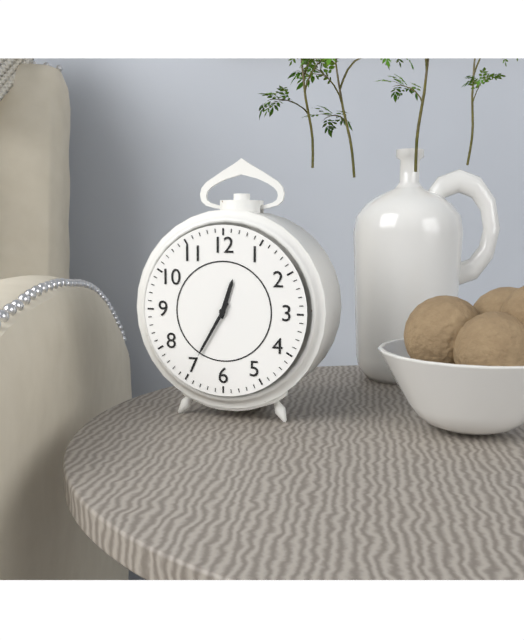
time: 12:35
